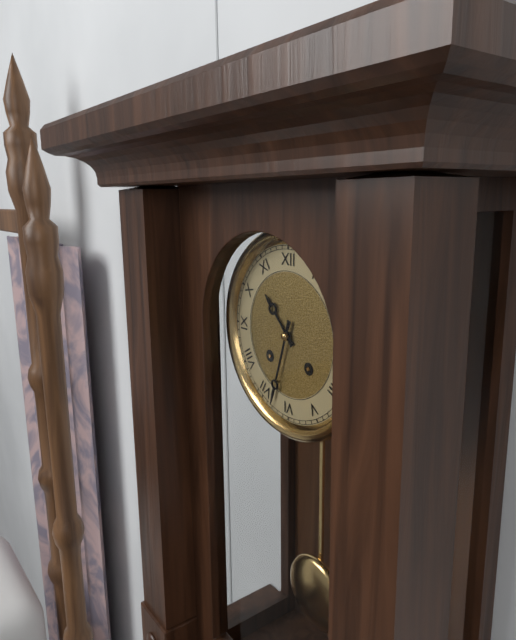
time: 10:33
